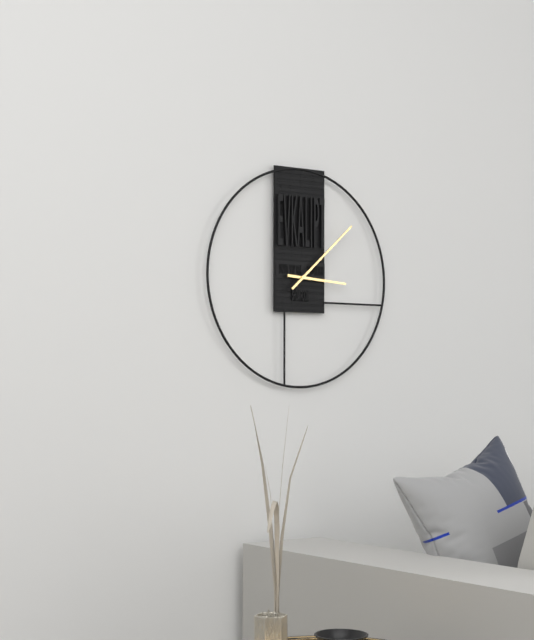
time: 3:08
